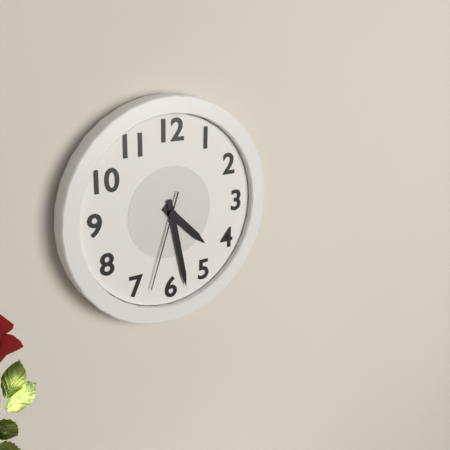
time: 4:28:33
